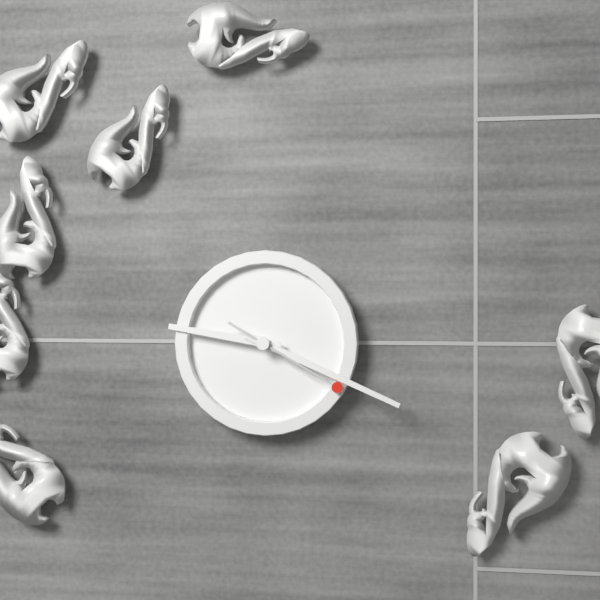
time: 9:19:20
